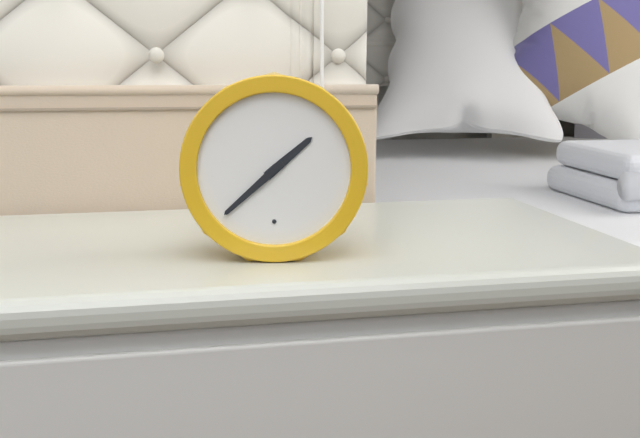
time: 1:38
